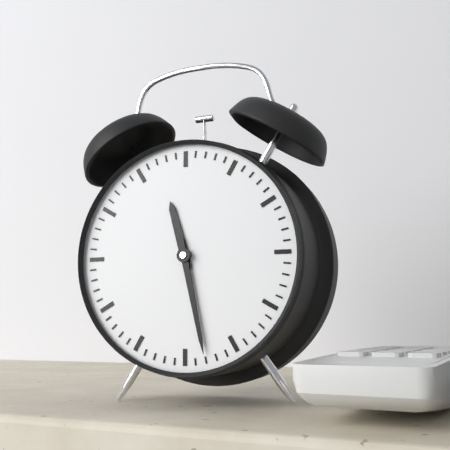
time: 11:28
